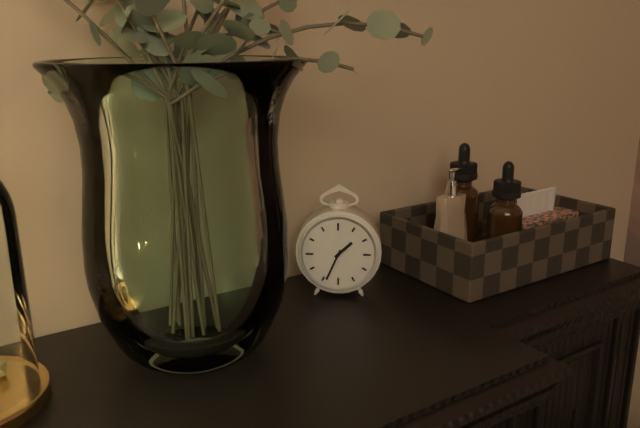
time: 1:34
